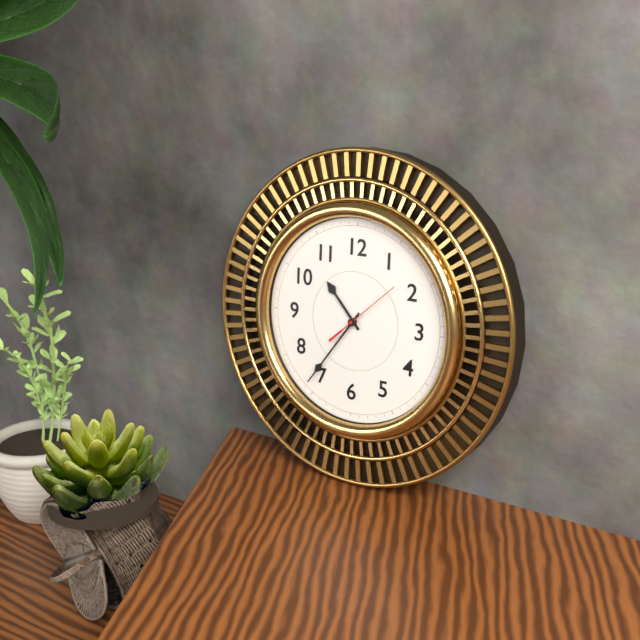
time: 10:36:08
